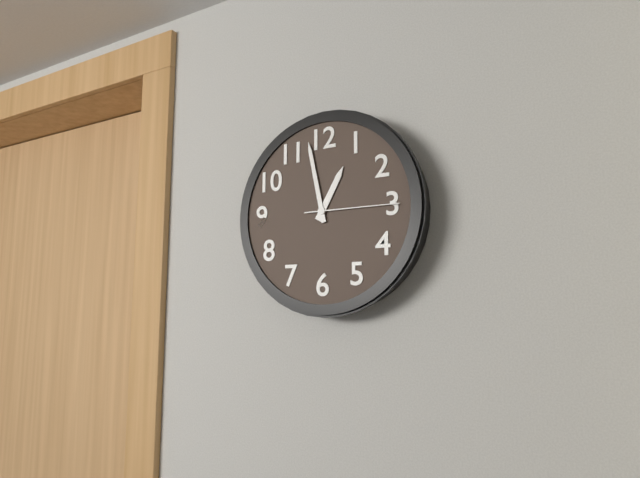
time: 12:58:15
